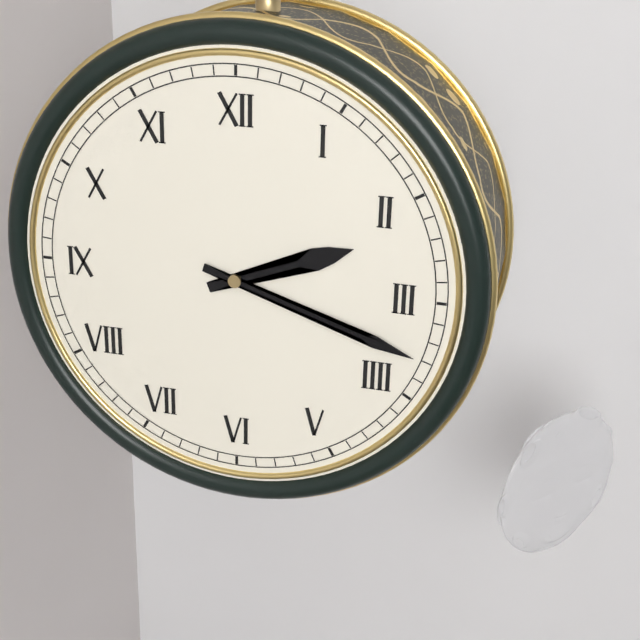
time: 2:18
